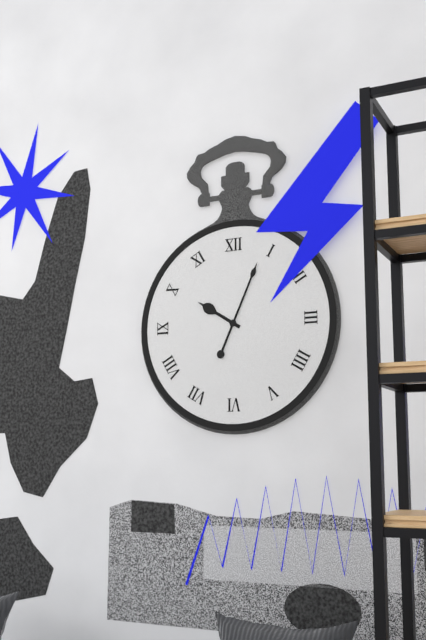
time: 10:04
